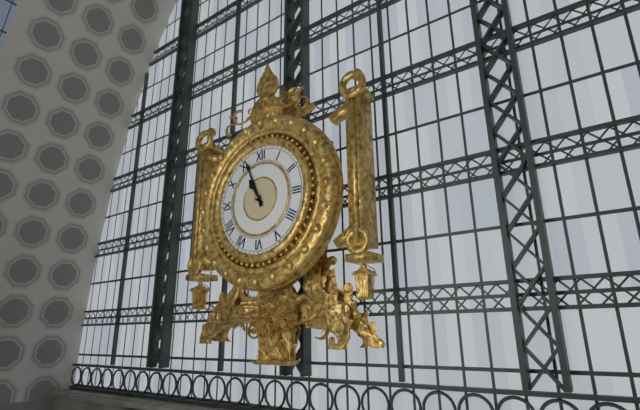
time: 10:56
